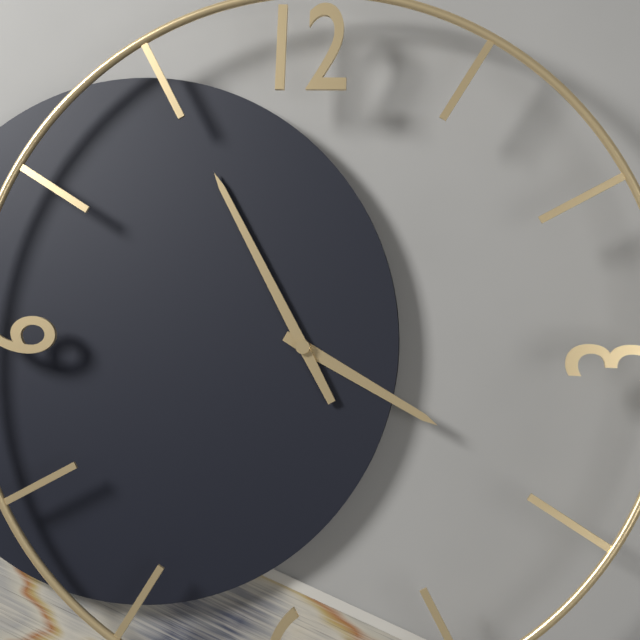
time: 3:55
